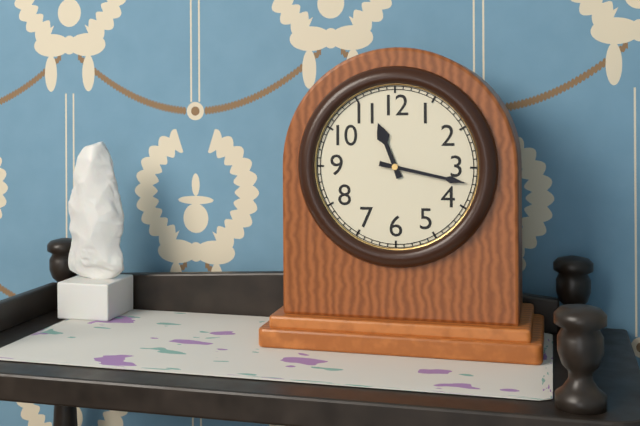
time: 11:17
